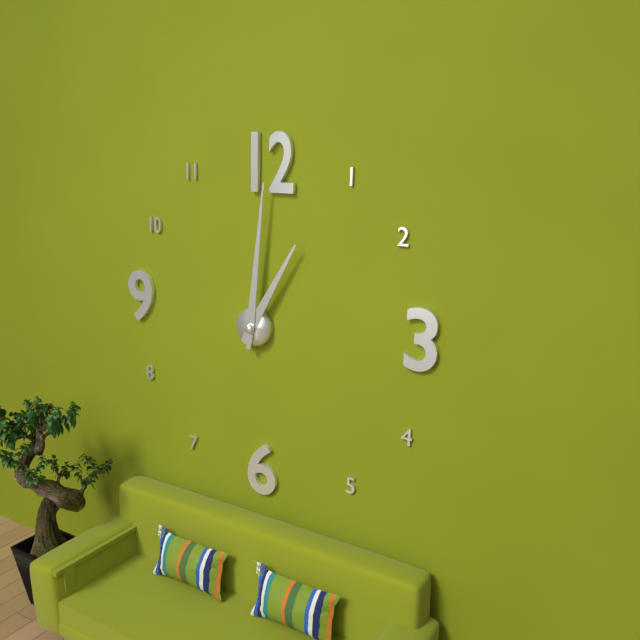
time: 1:01
